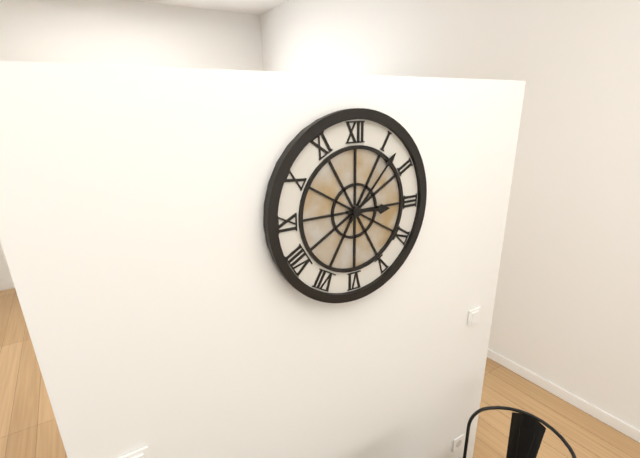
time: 3:07
